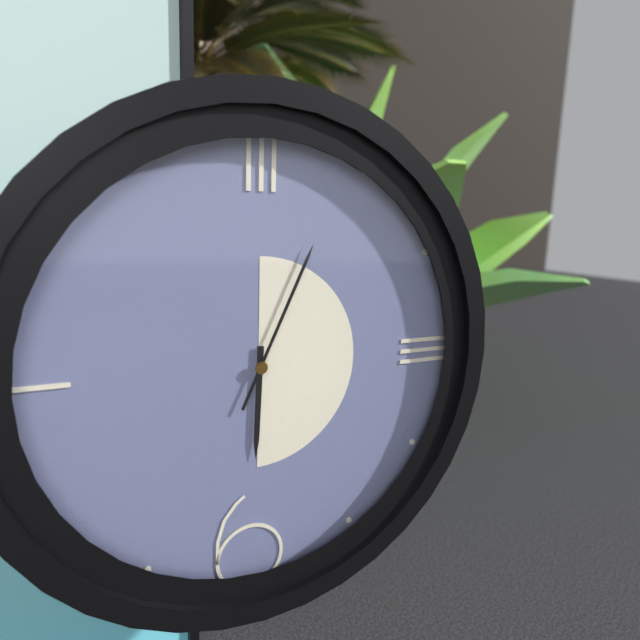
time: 6:04
